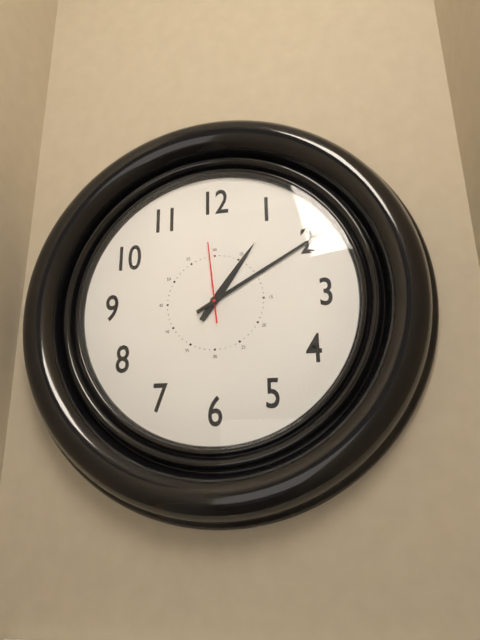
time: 1:10:59
